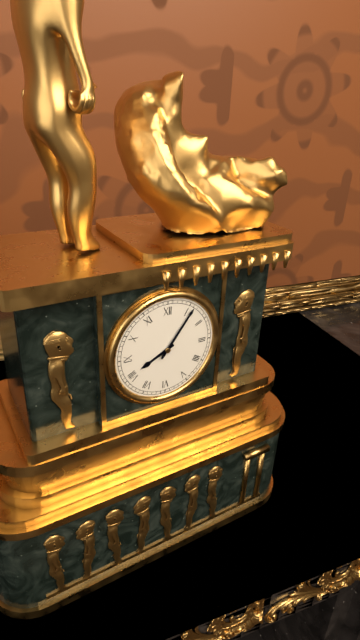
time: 8:06
